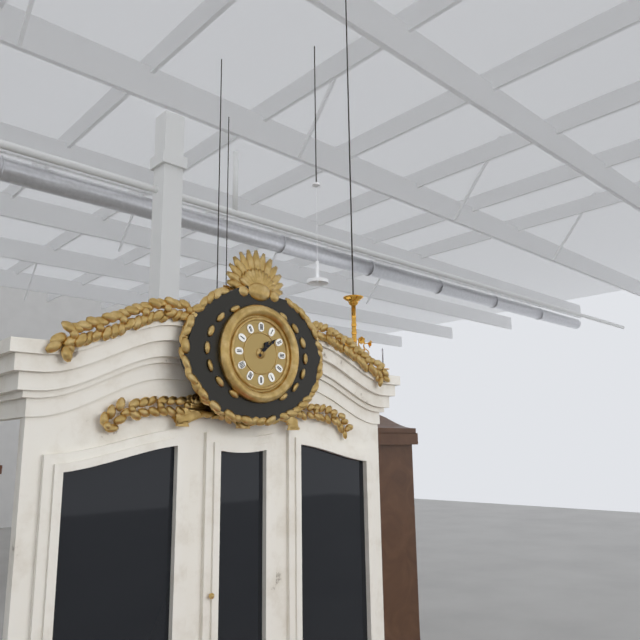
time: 1:08
